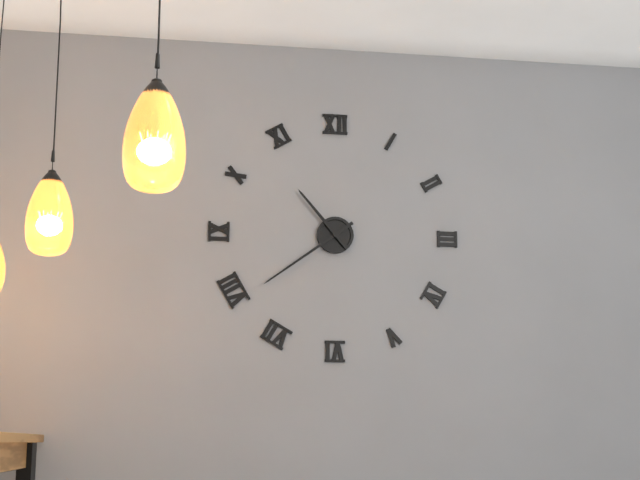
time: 10:39
